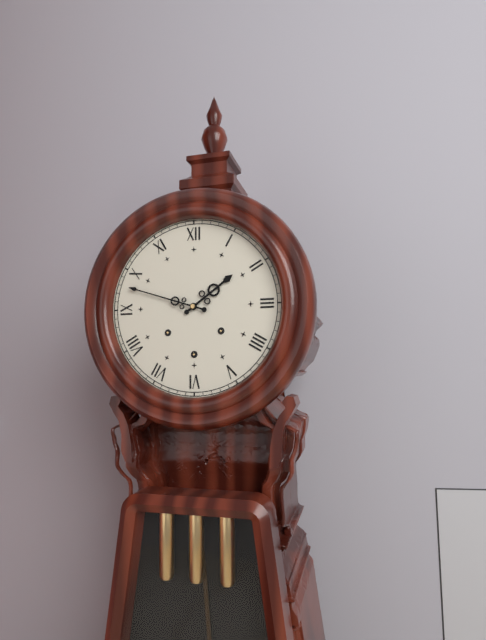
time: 1:48
